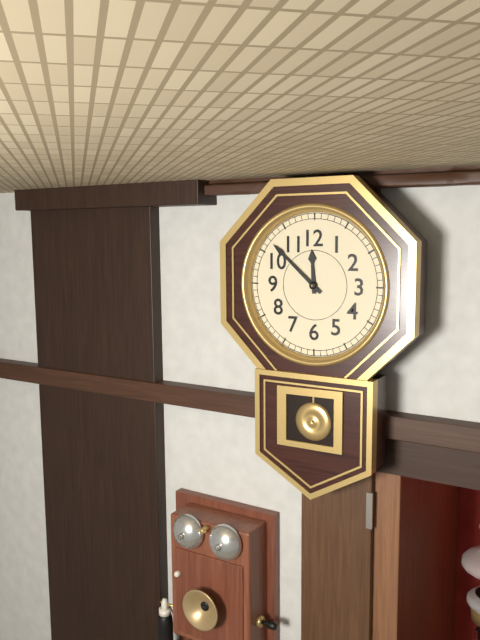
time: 11:52
